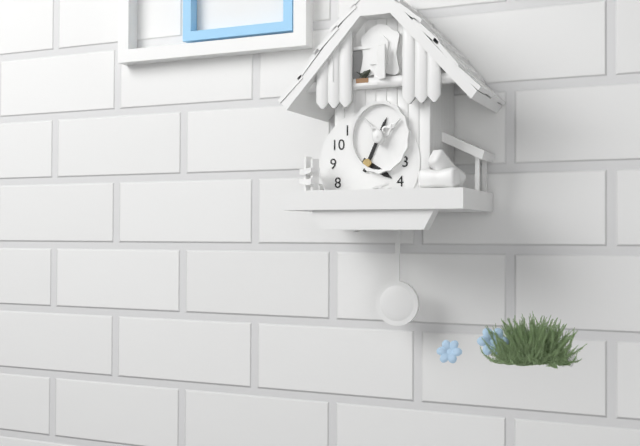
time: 4:04
